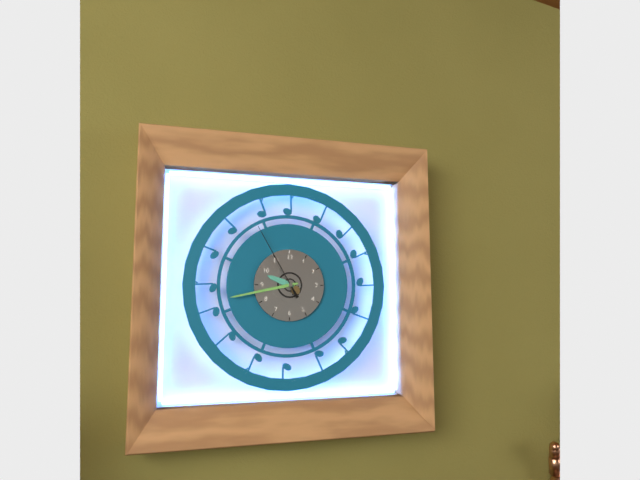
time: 9:43:55
